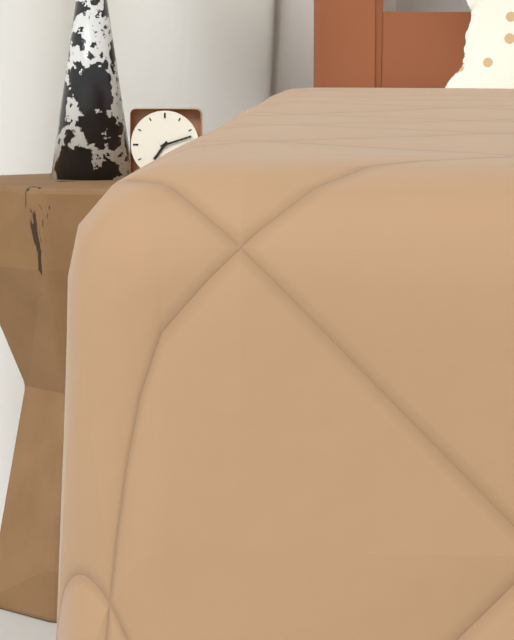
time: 7:12
